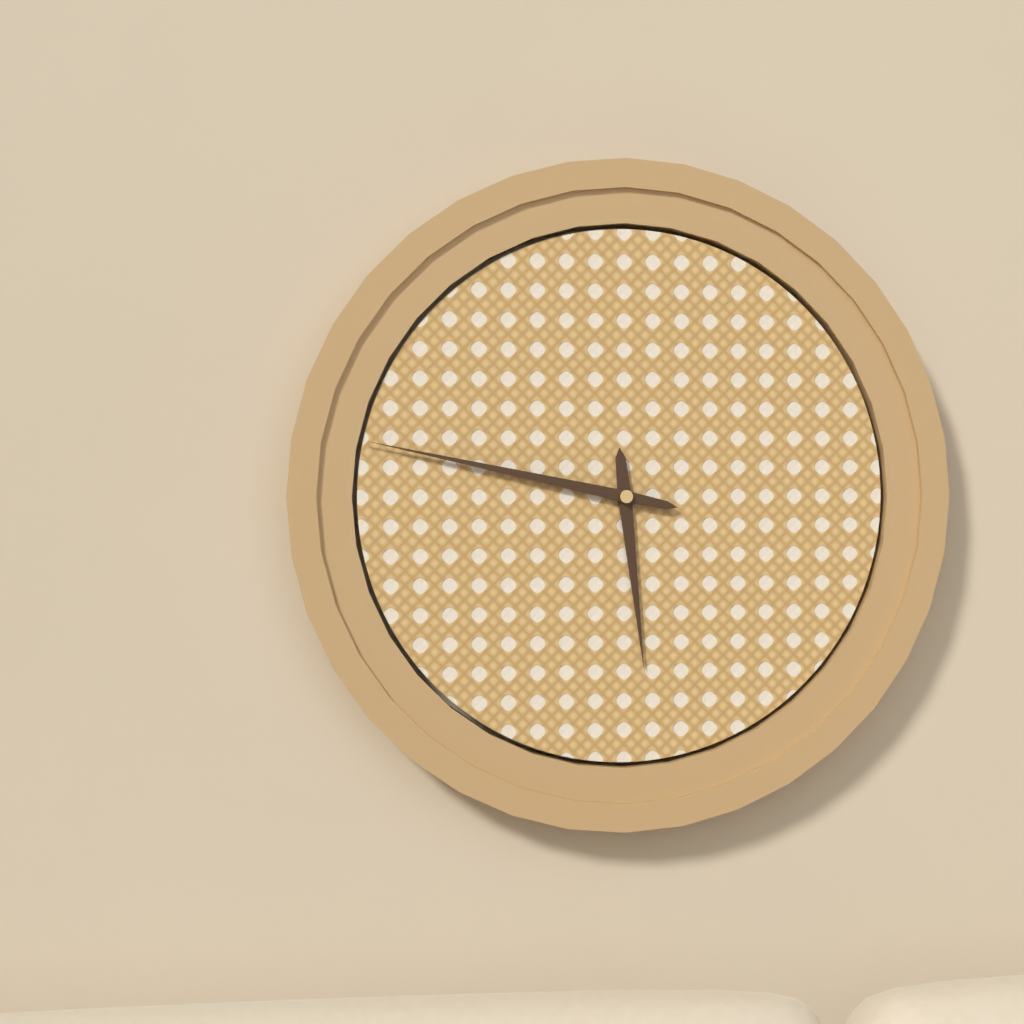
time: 5:47
